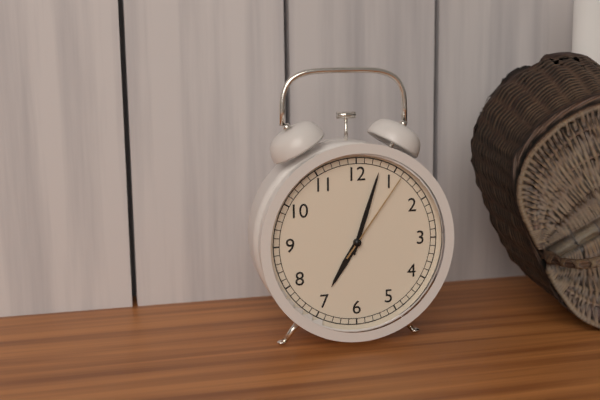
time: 7:03:06
